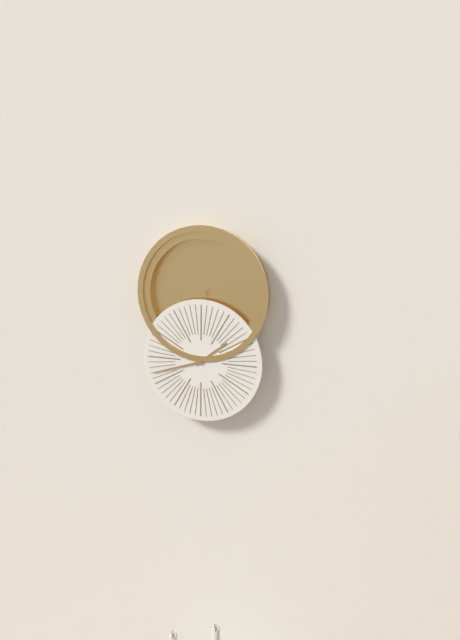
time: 1:42
